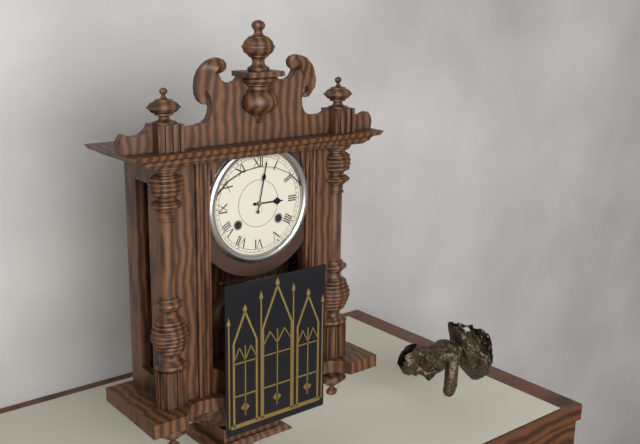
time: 3:02
